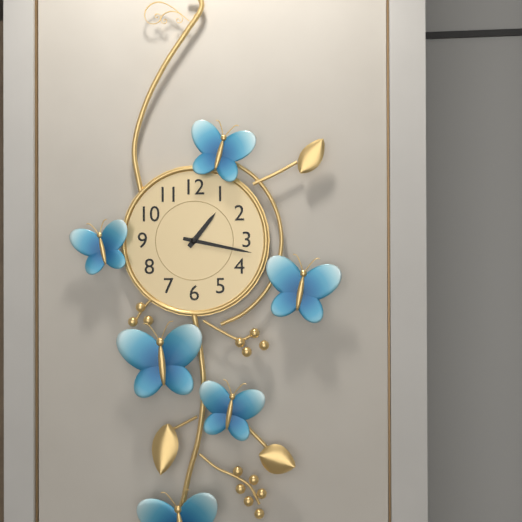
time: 1:17
